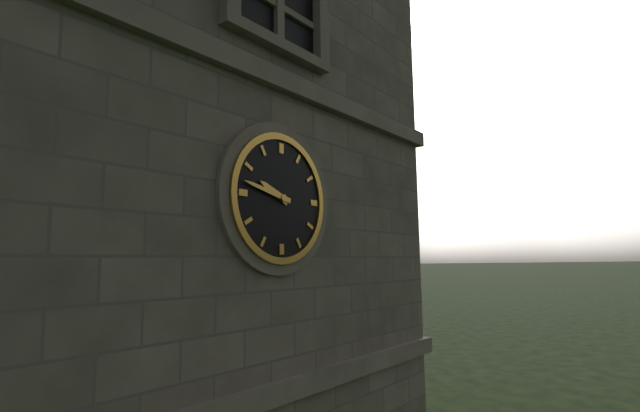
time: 9:47
